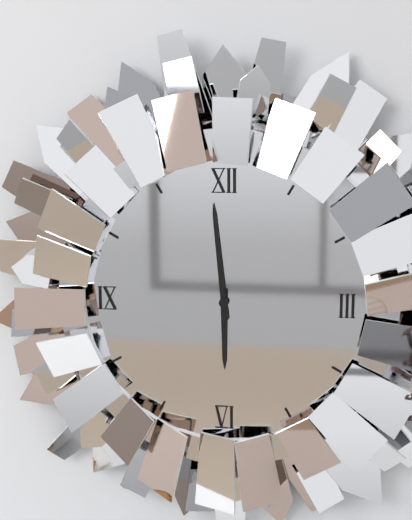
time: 5:59
